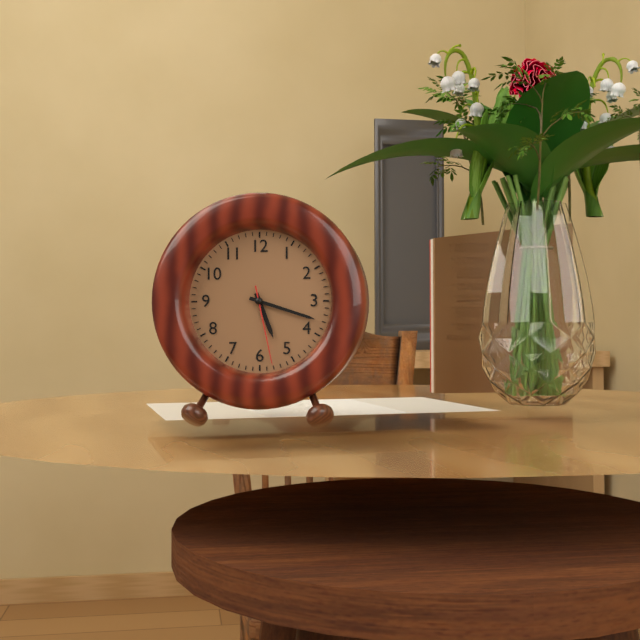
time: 5:18:28
